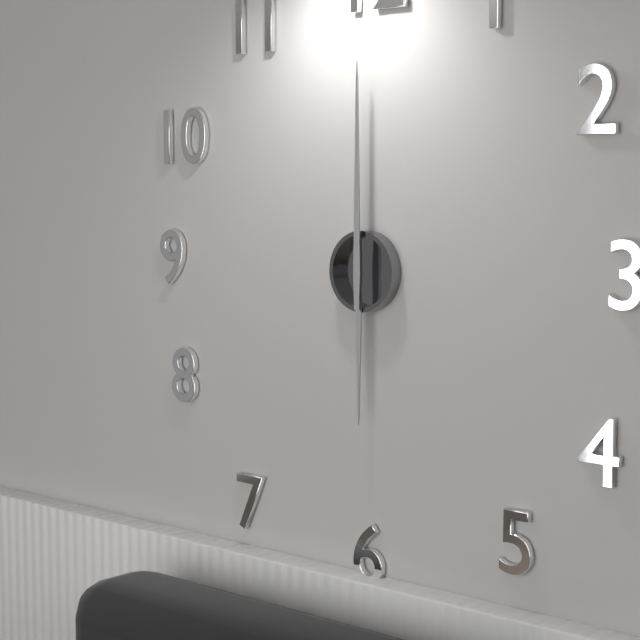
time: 6:00
